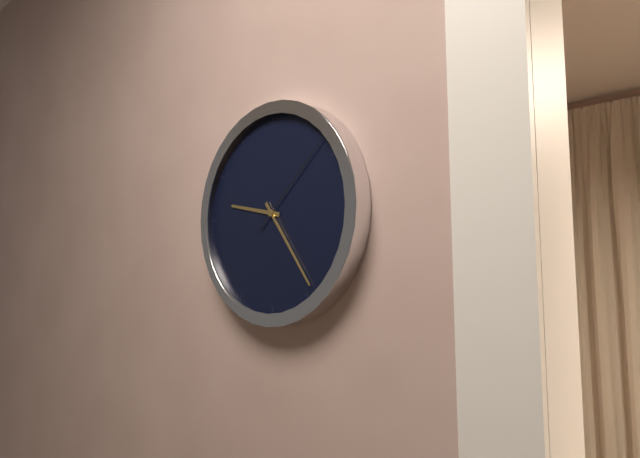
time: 9:24:08
